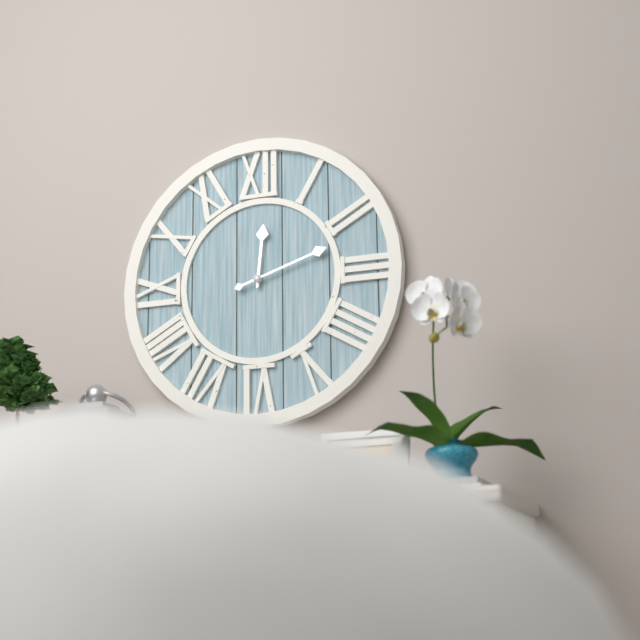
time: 12:12
